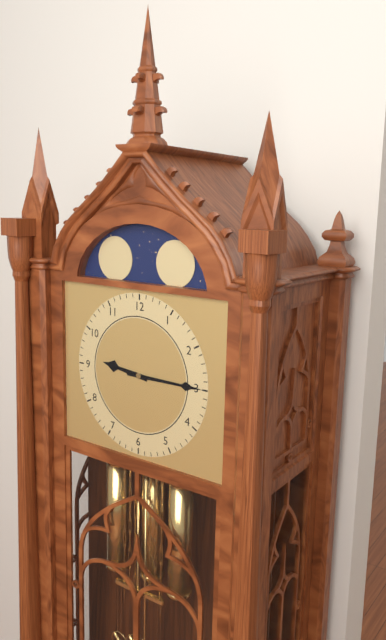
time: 9:15
